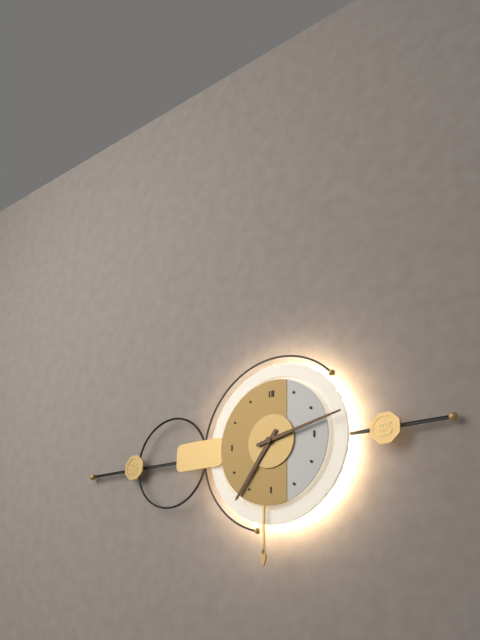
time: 7:13
